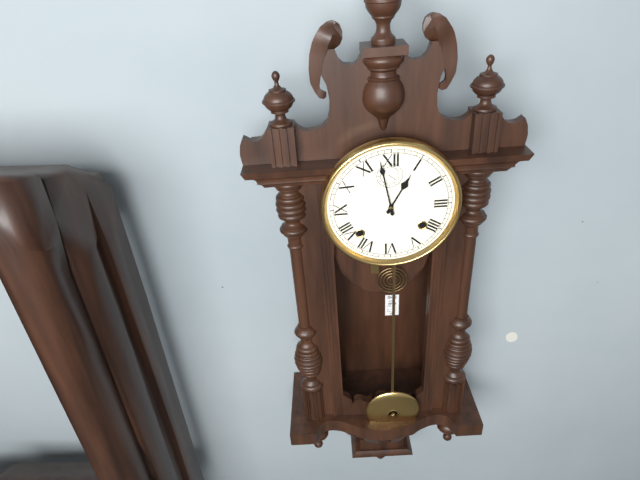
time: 12:58
